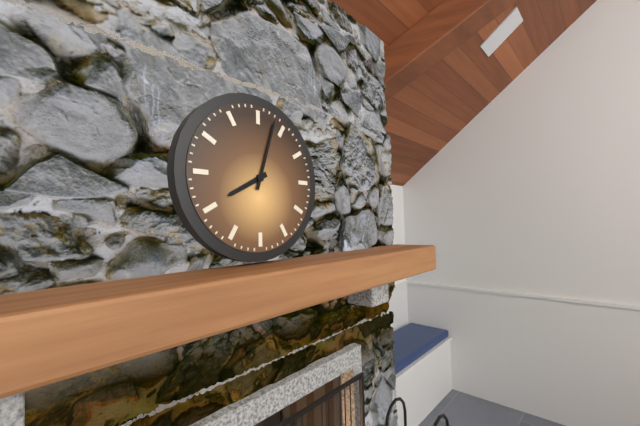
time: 8:03
